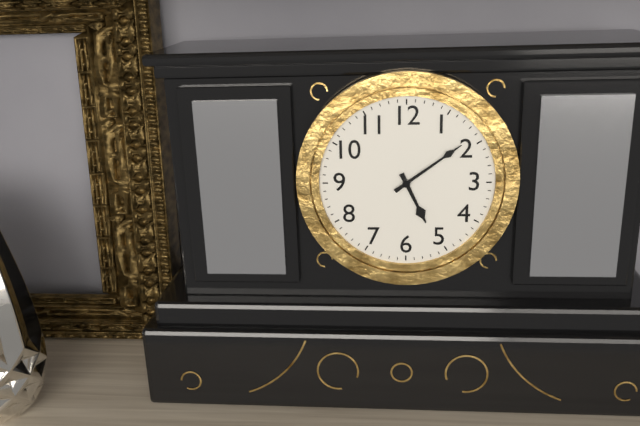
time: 5:09
